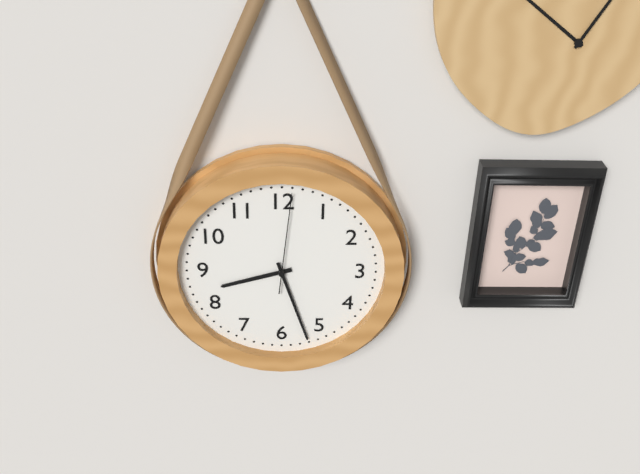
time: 8:27:01
